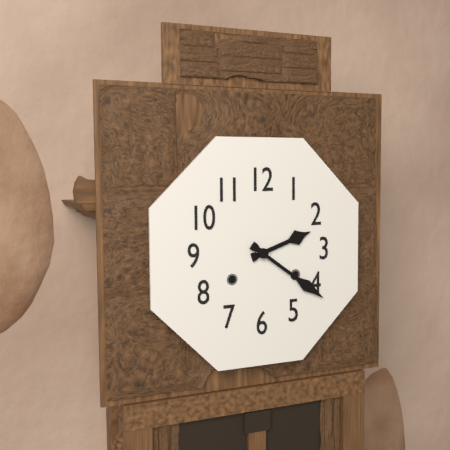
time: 2:21
